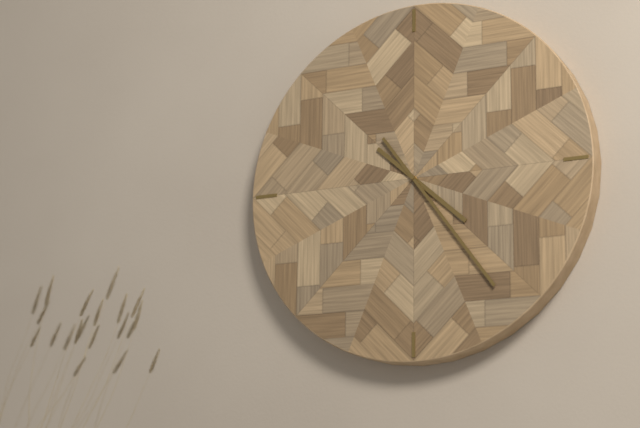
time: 4:24
